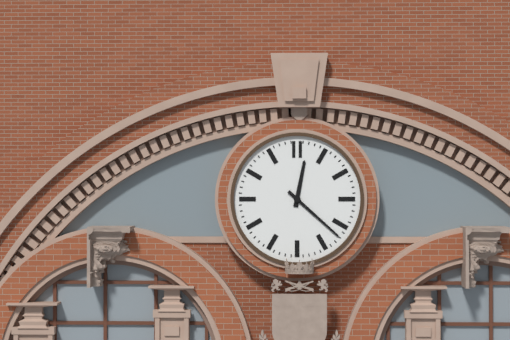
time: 12:22
